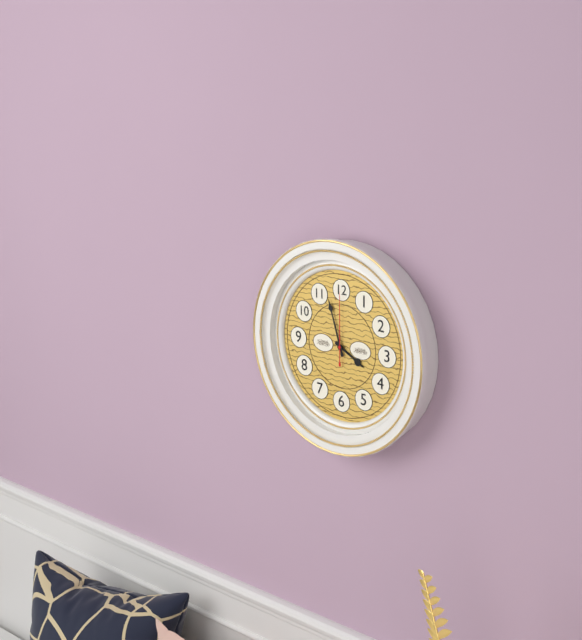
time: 3:57:00
